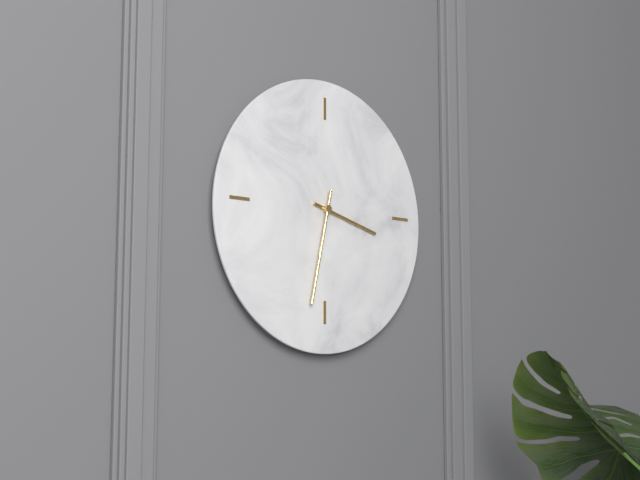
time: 3:32
